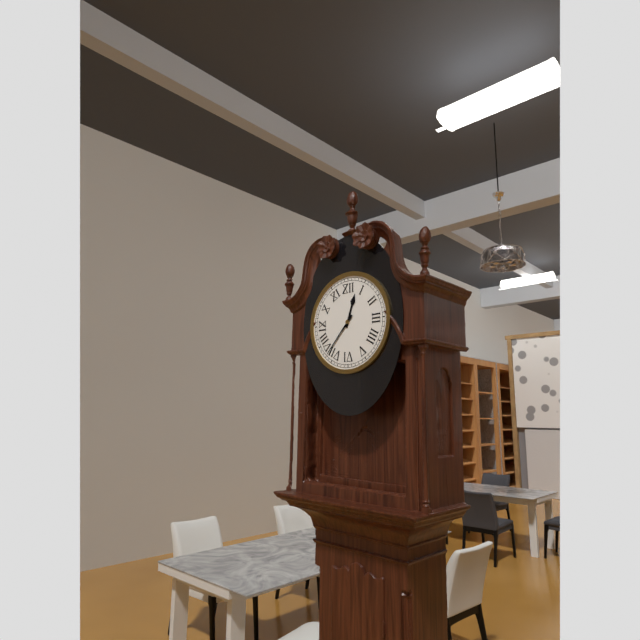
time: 12:37
